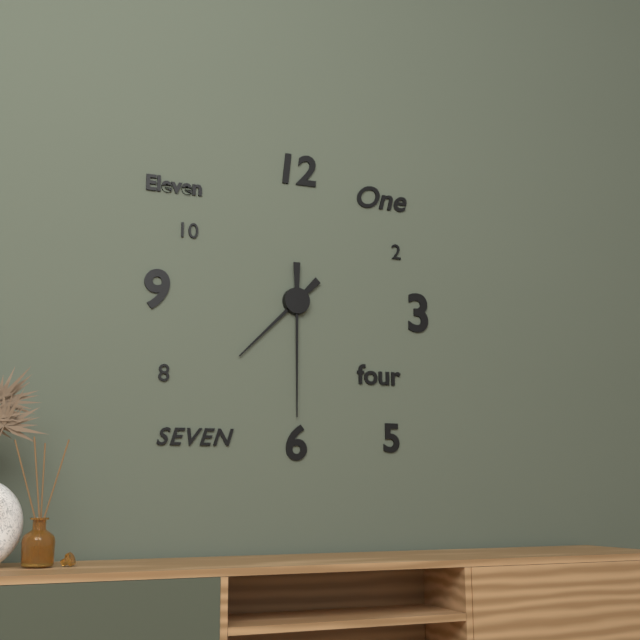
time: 7:30
